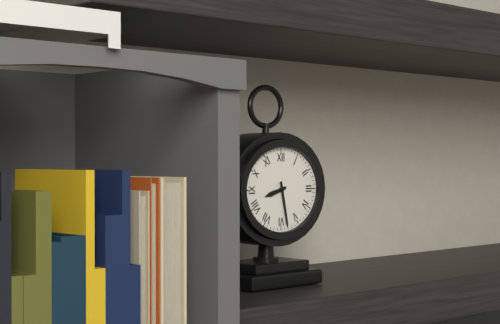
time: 8:28
